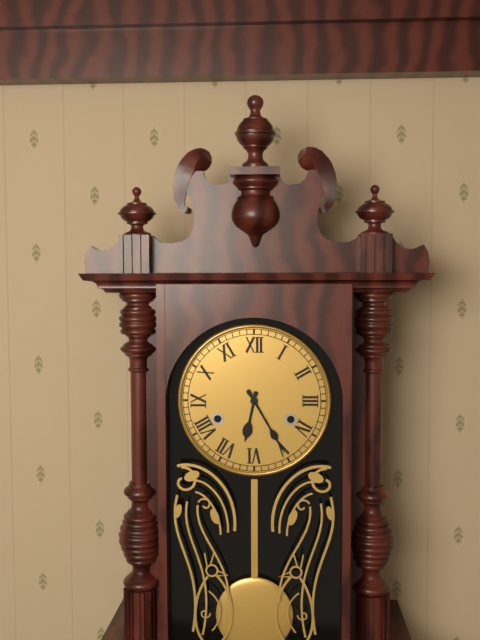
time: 6:25
